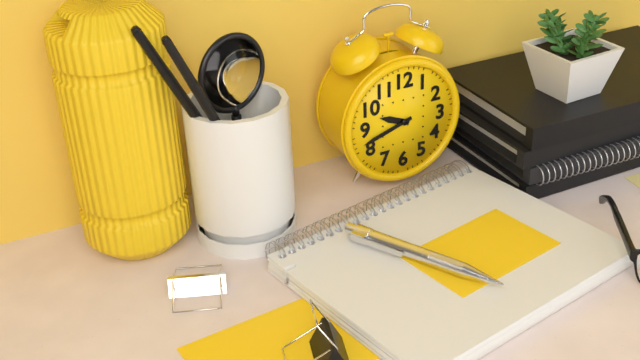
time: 9:42
